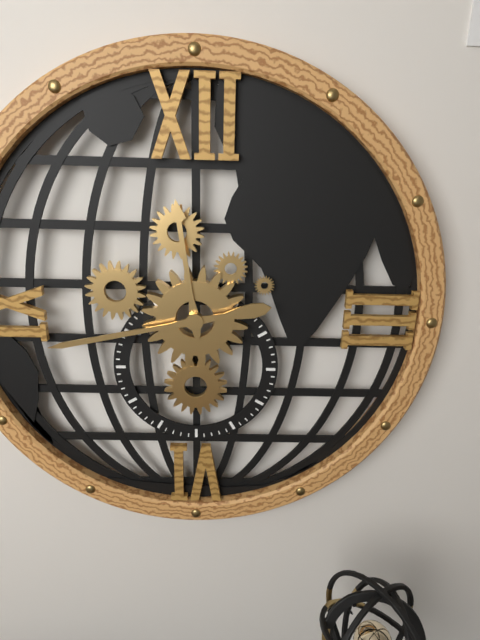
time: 11:43
